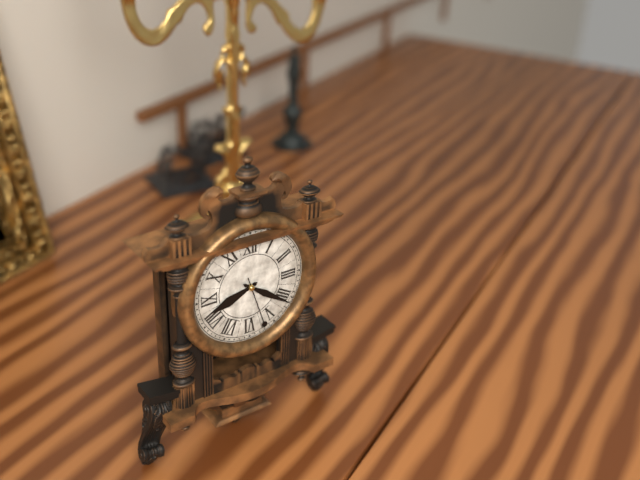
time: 8:21:27
